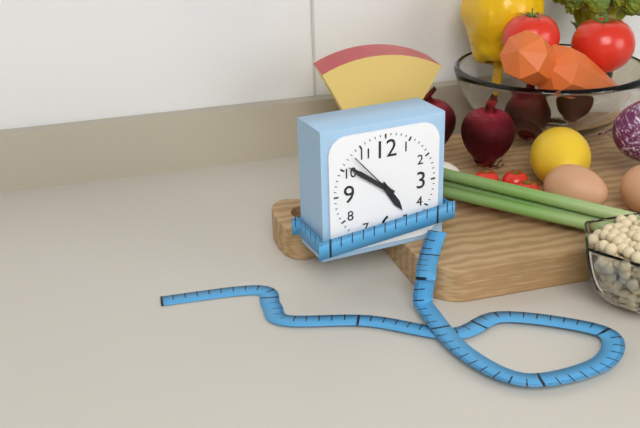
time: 4:51:53
